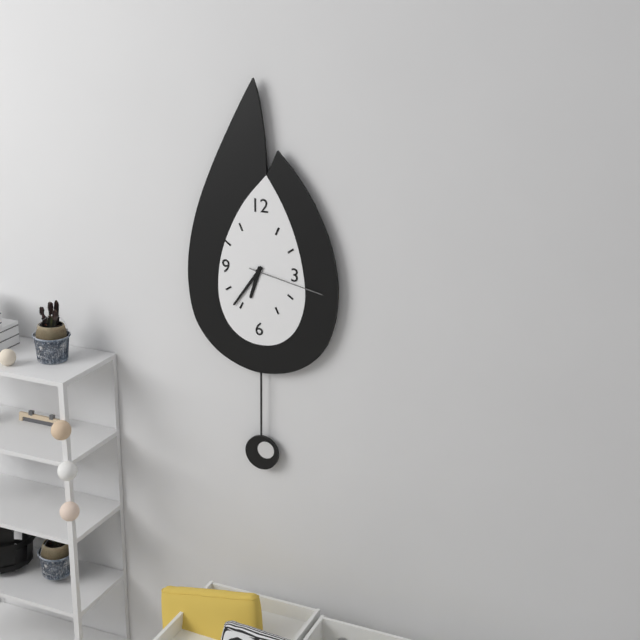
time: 6:36:17
